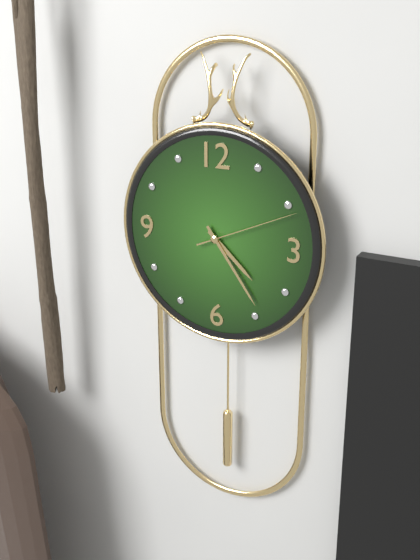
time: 4:24:11
